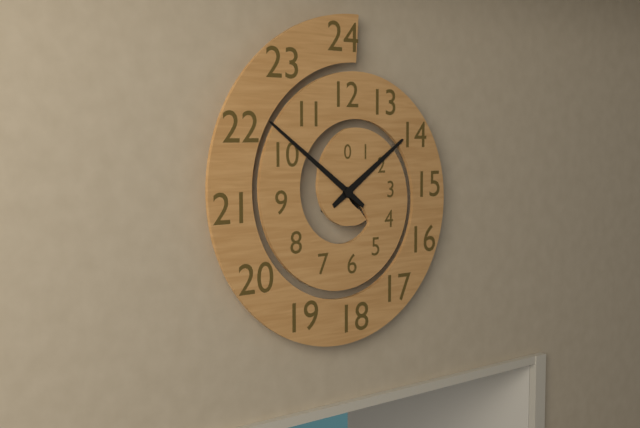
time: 1:51
